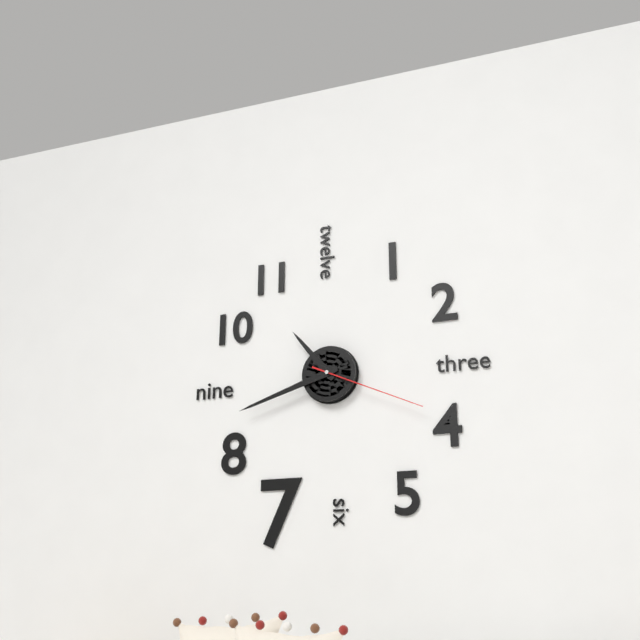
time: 10:42:19
